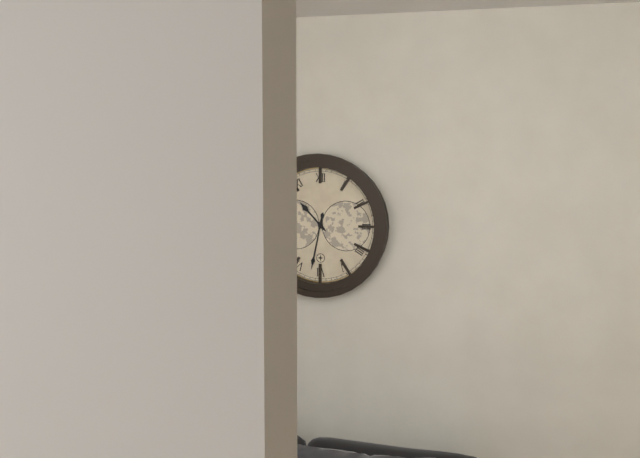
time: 10:32
